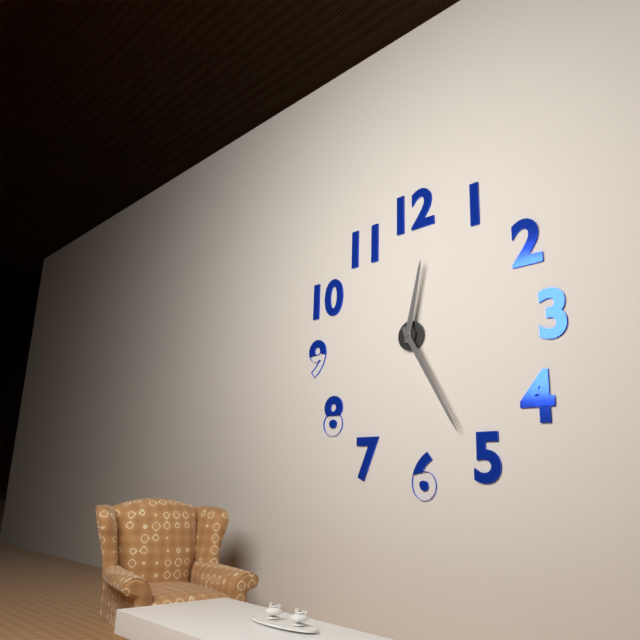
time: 12:25
